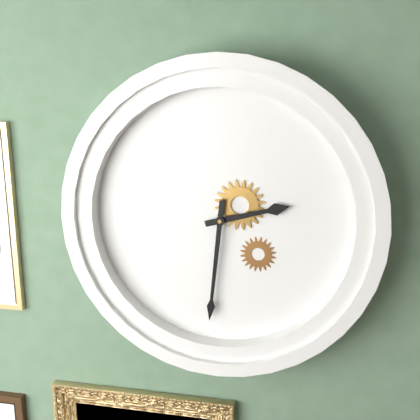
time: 2:31
